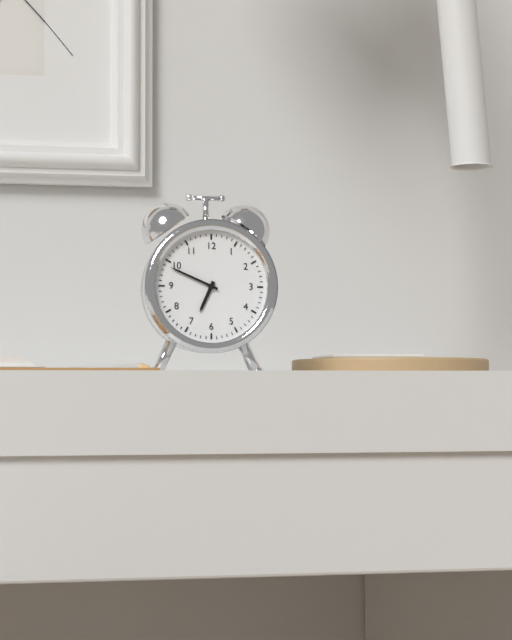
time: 6:49
